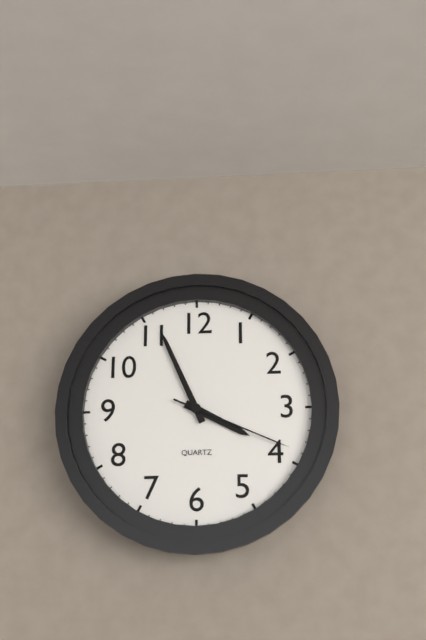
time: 3:56:19
